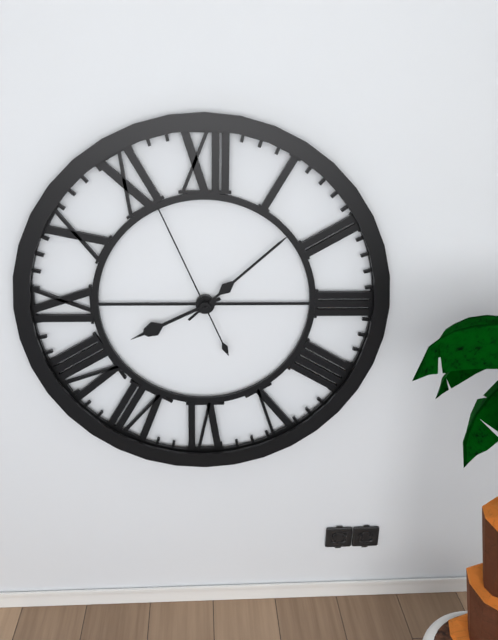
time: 8:08:56
